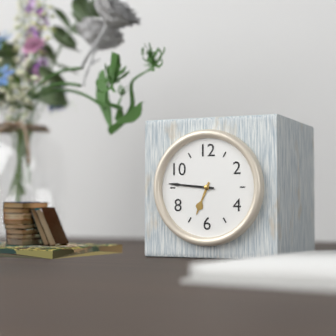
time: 6:46
